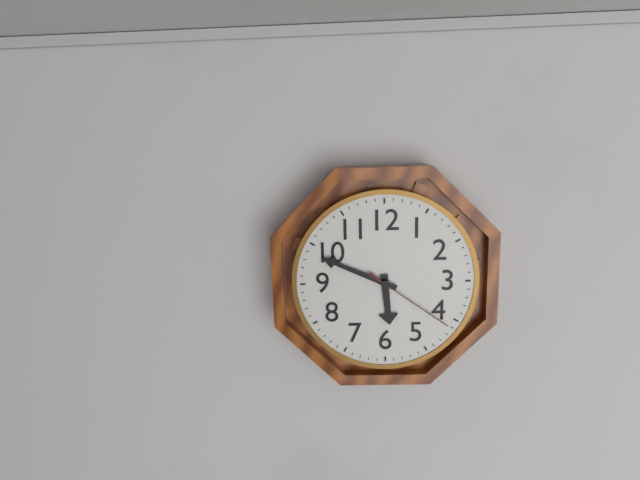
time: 5:49:21
